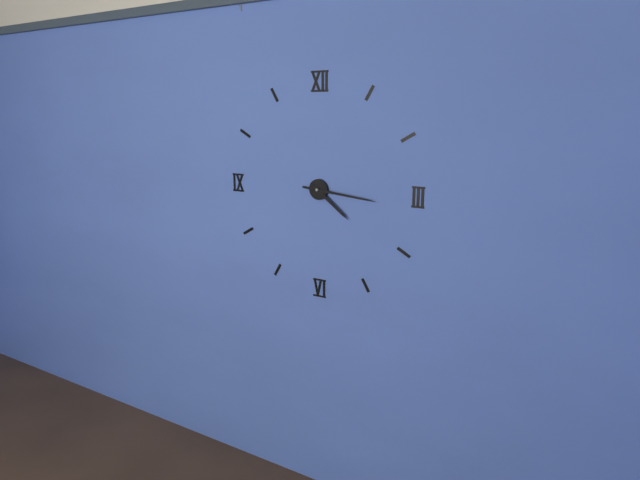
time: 4:16
